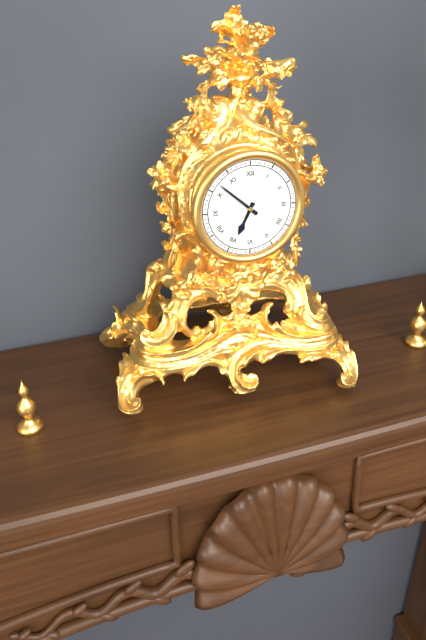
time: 6:52
